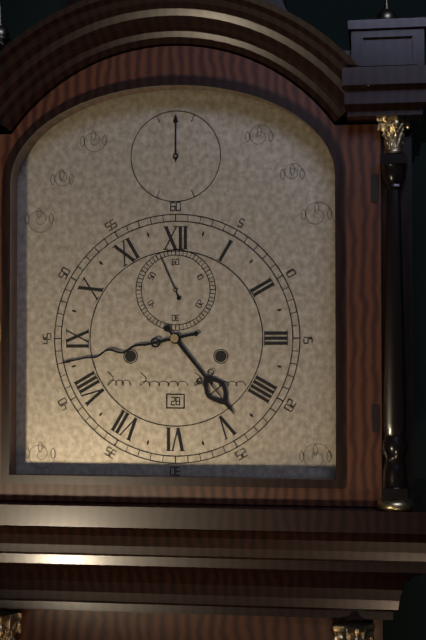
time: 4:43
